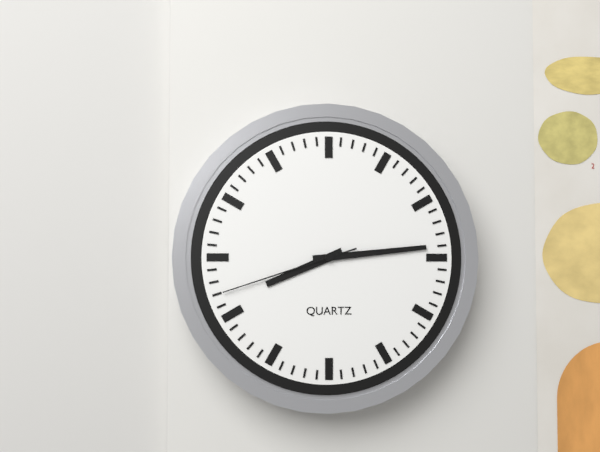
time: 8:14:42
